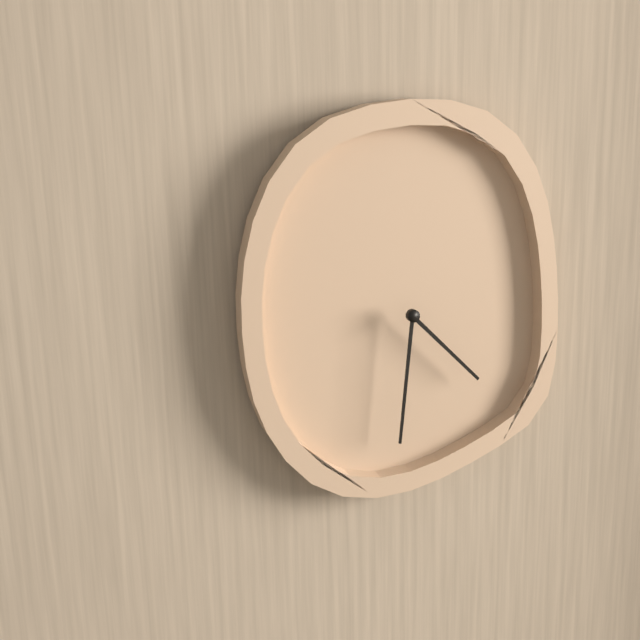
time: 4:31
